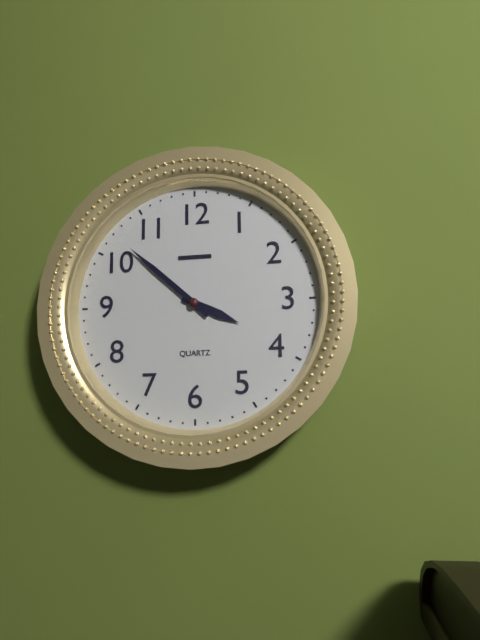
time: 3:52
